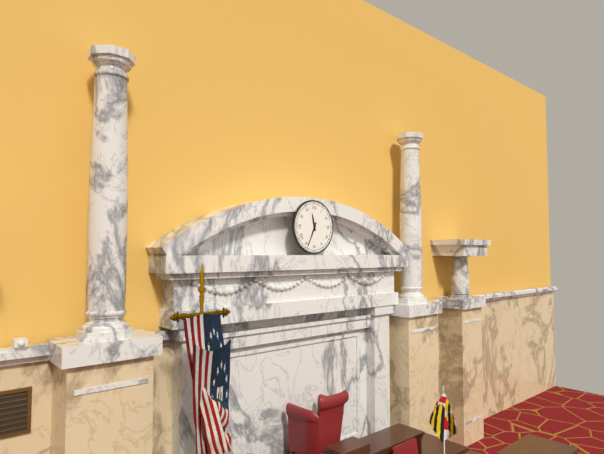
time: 11:34
